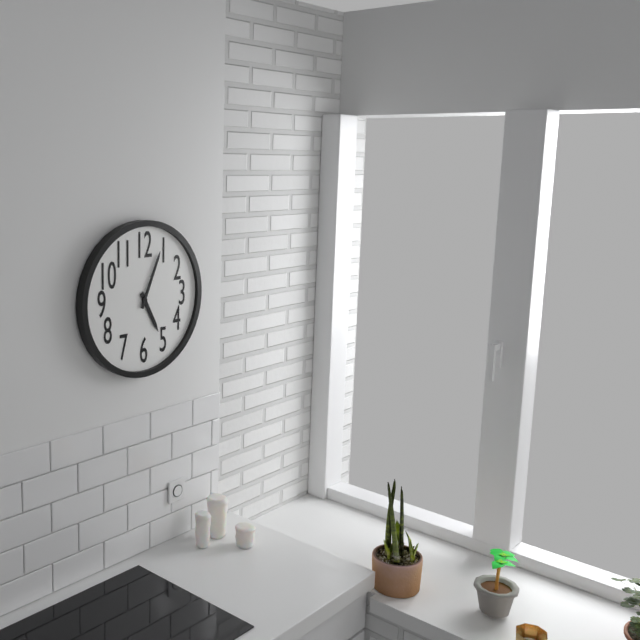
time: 5:04
